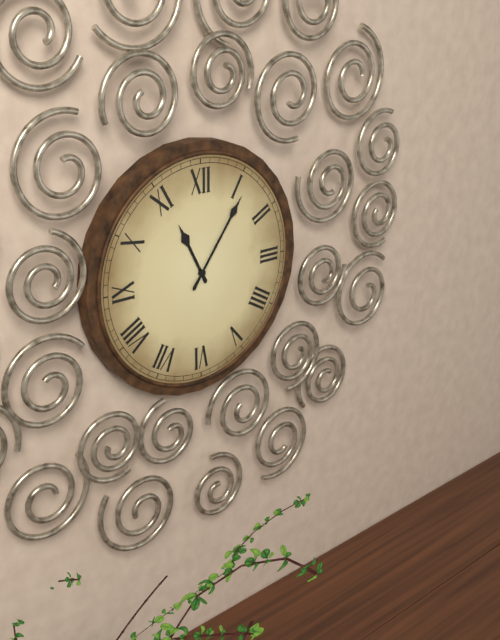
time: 11:06
